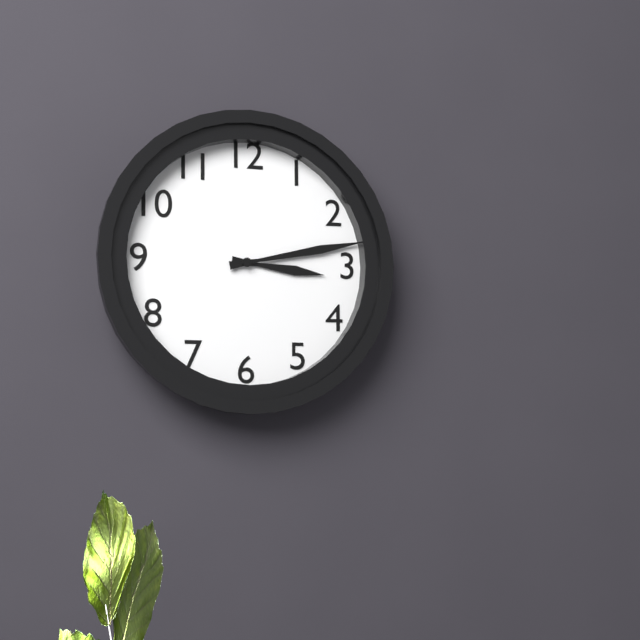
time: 3:13
